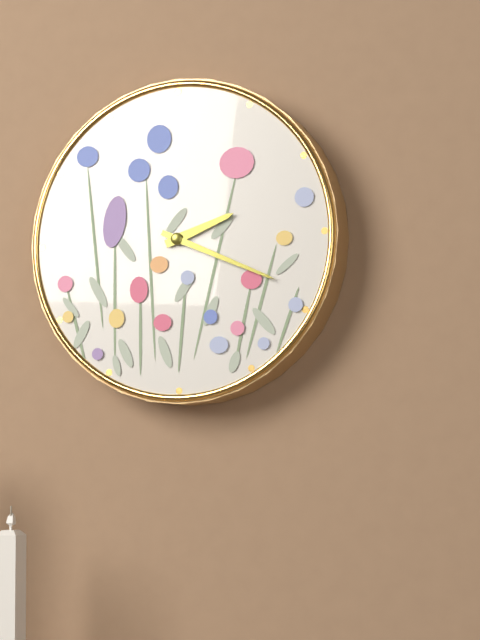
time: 2:19
